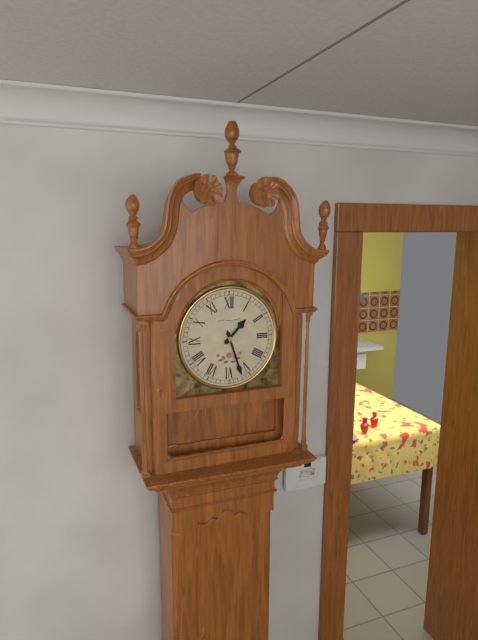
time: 1:27
